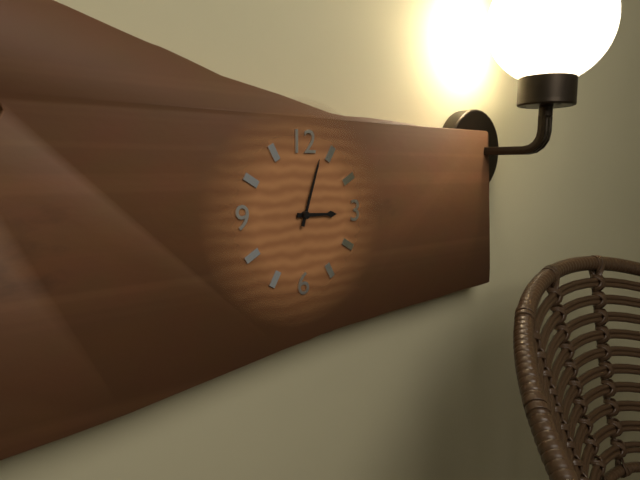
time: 3:03
